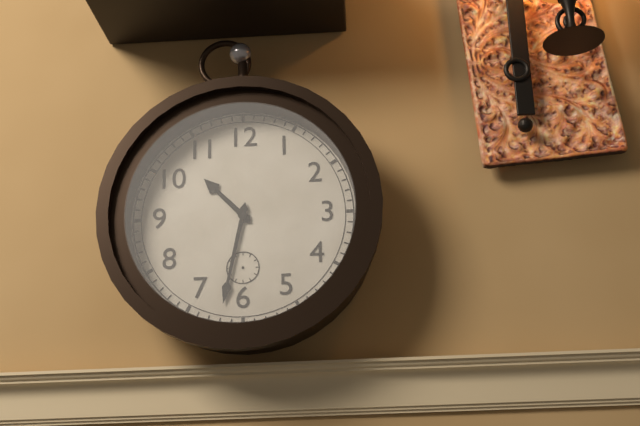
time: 10:32
